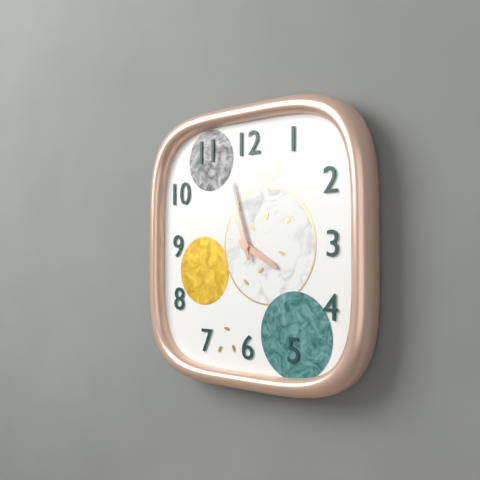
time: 3:57
